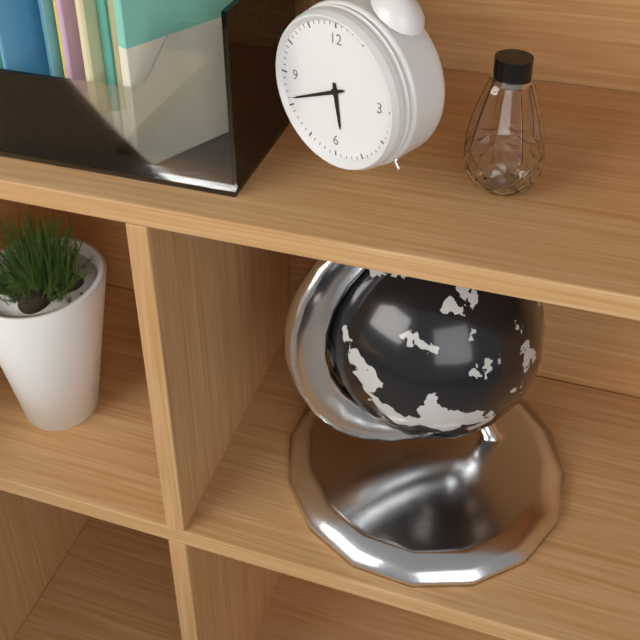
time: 5:41
